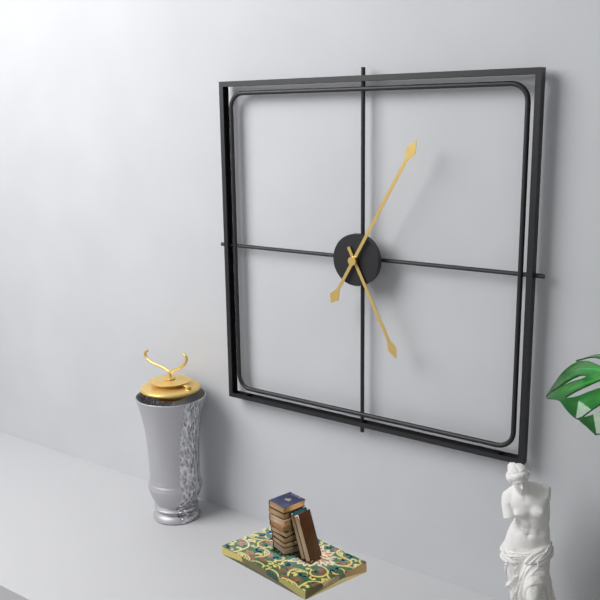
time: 5:05
